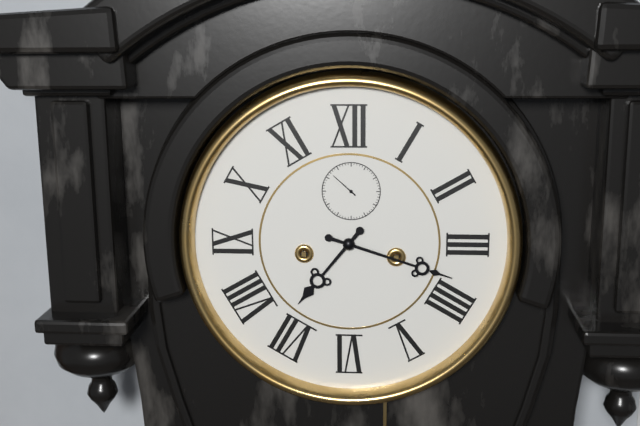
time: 7:18
